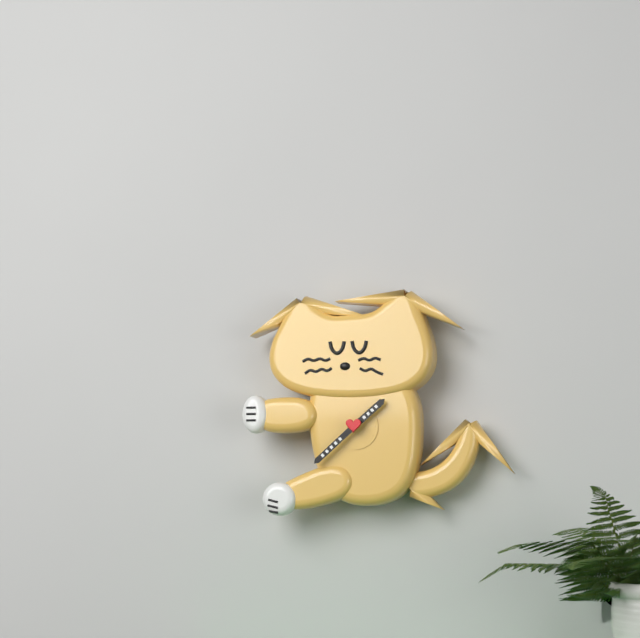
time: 1:38
